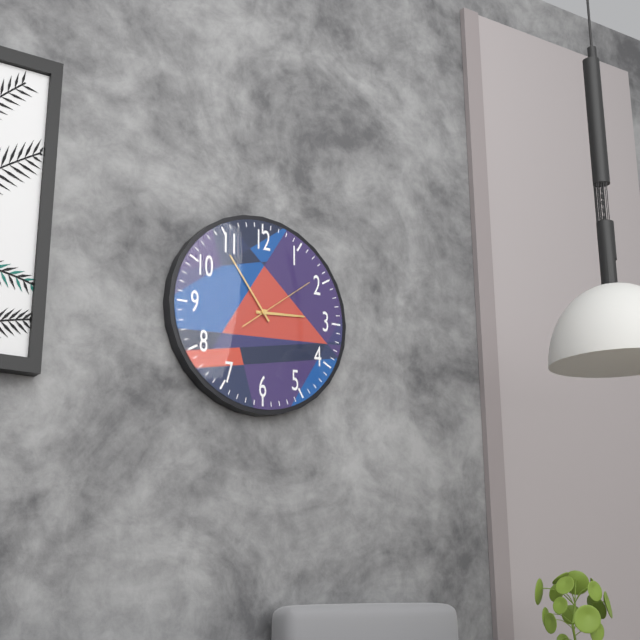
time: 2:54:09
